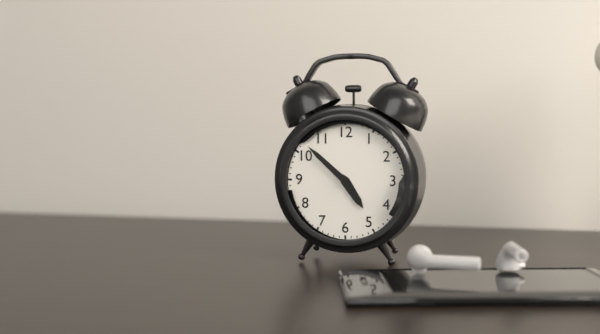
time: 4:52
